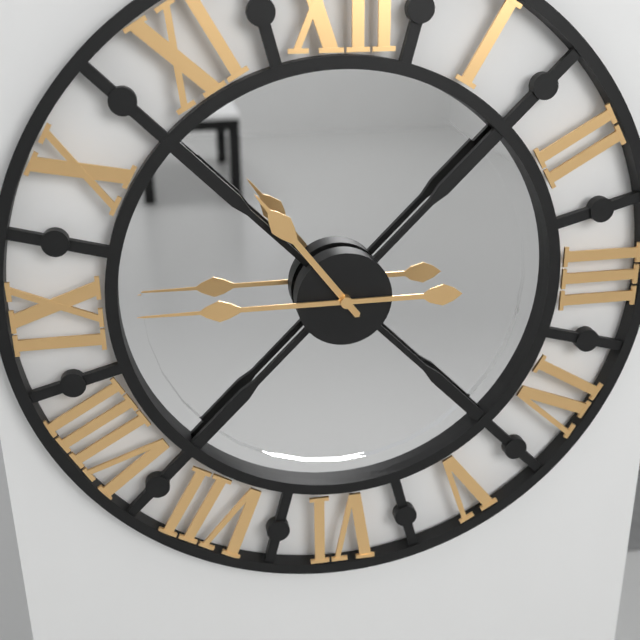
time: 10:45
